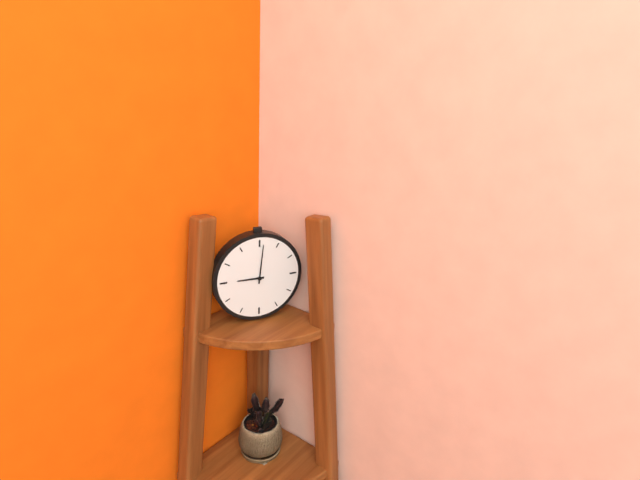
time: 9:01
